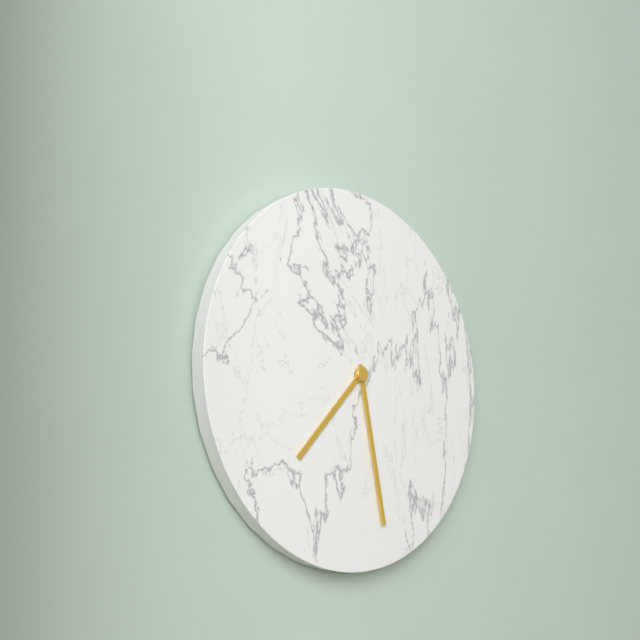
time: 7:28
